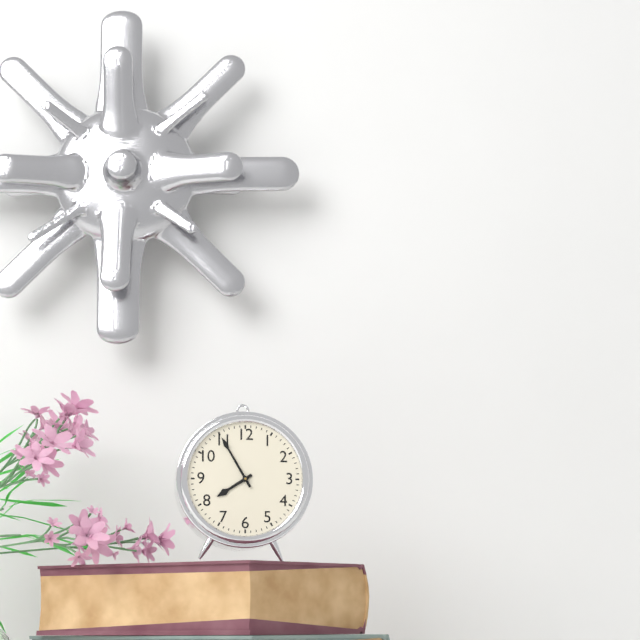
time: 7:55
